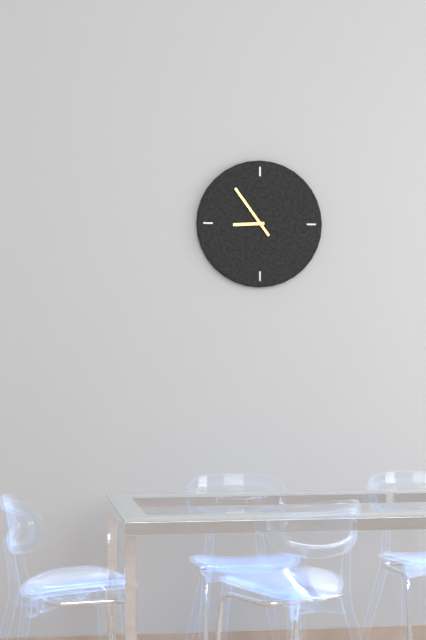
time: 8:54
